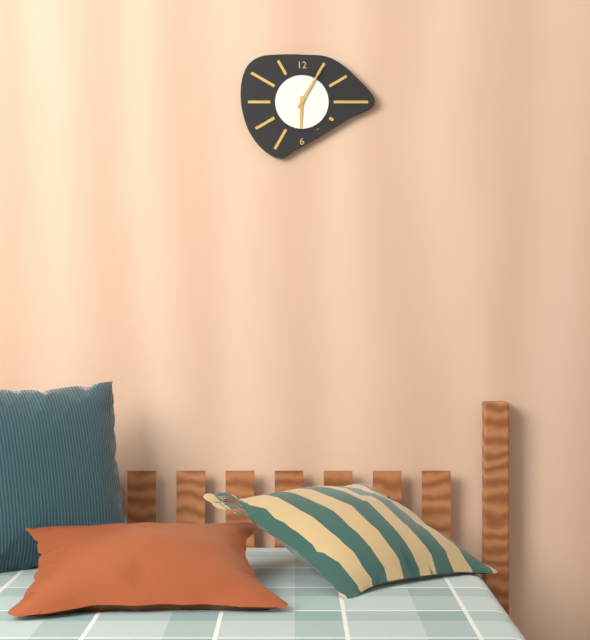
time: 6:05
